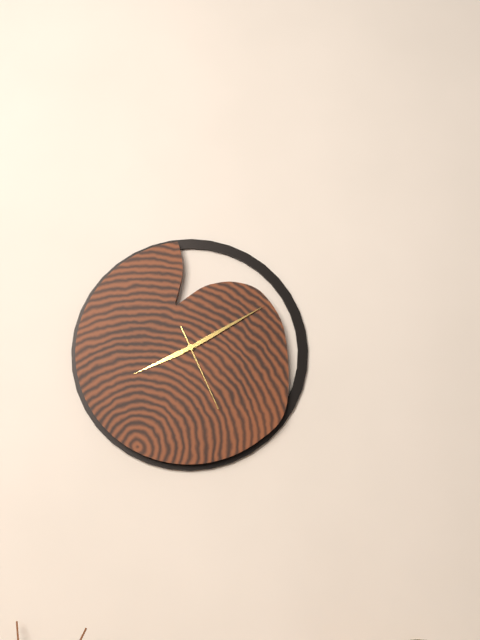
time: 8:10:26
